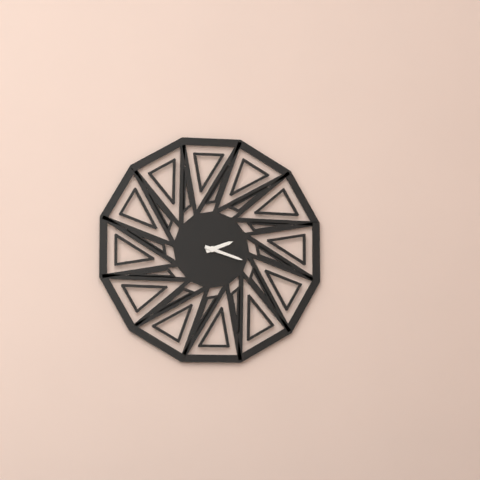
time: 2:18
